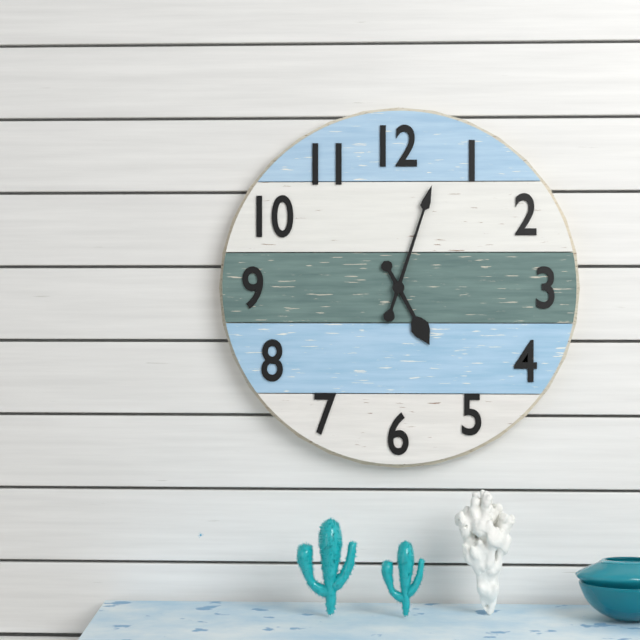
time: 5:03
